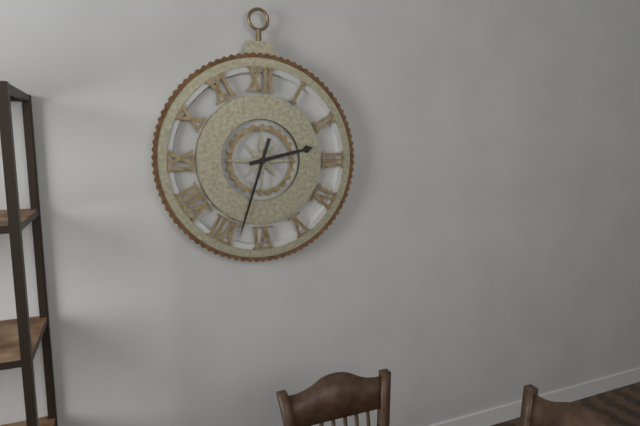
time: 2:33
